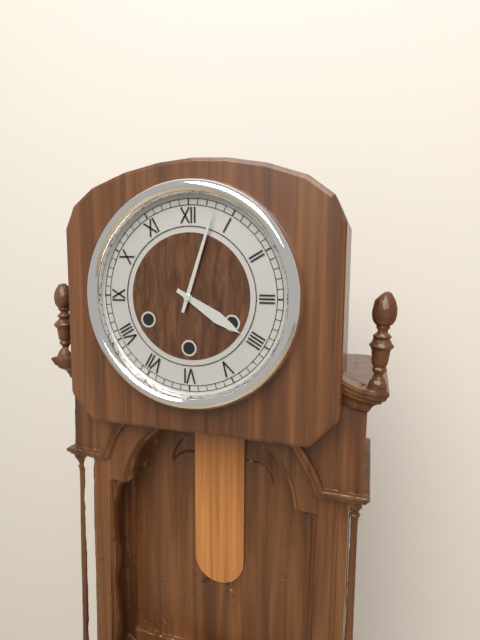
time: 4:03
